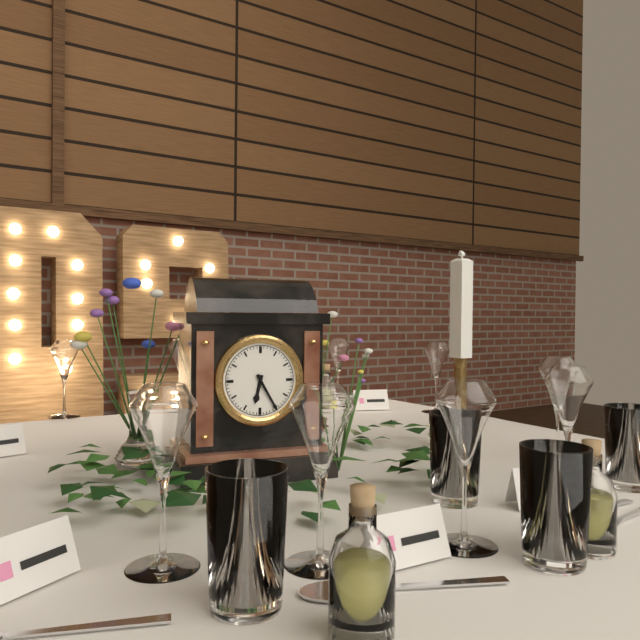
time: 6:25
